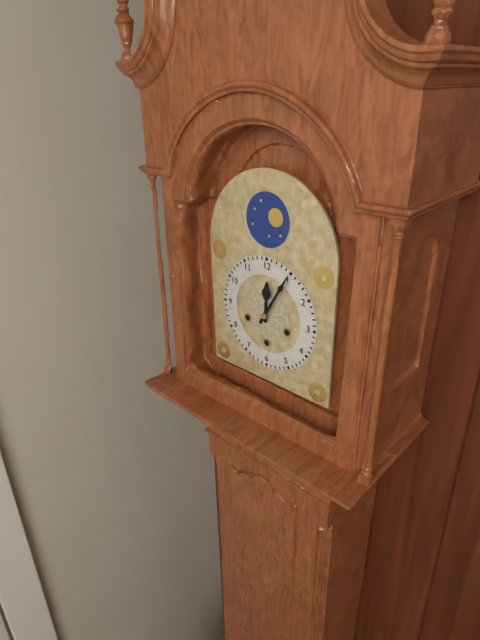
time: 12:05
